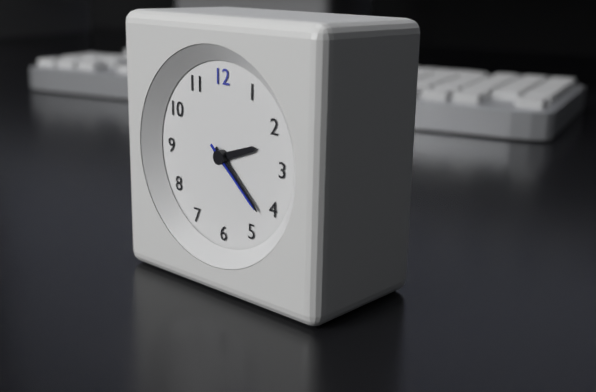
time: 2:22:22
